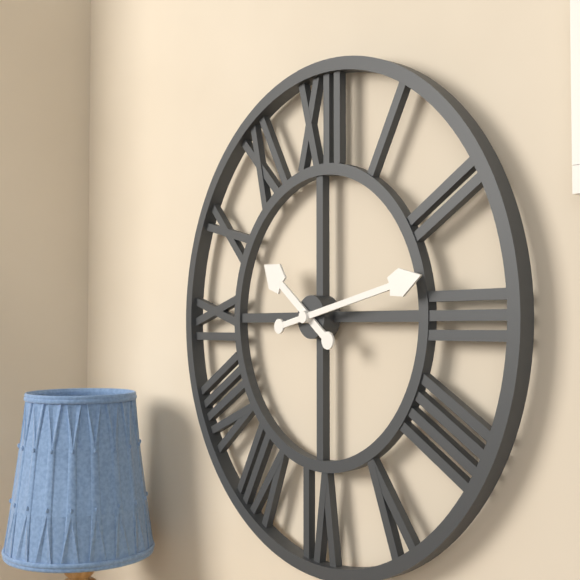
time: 10:13
